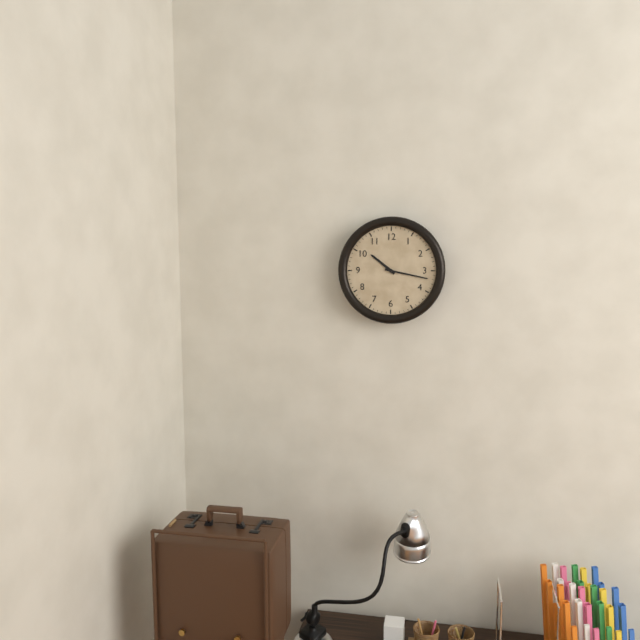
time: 10:17
